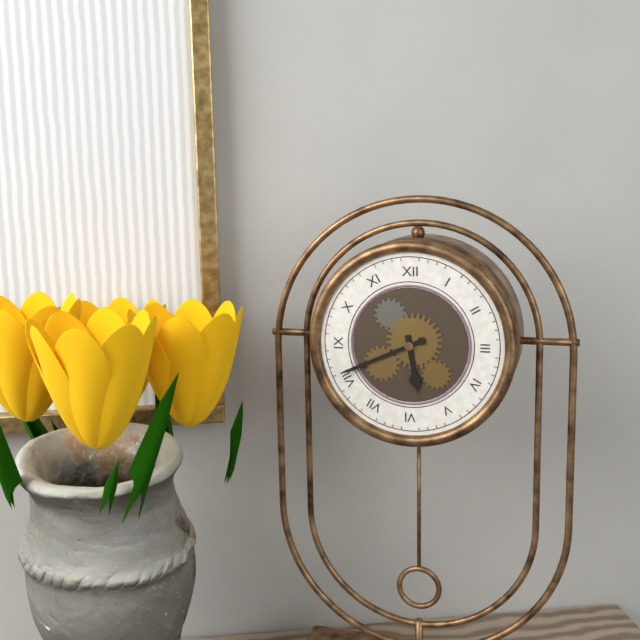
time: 5:41
